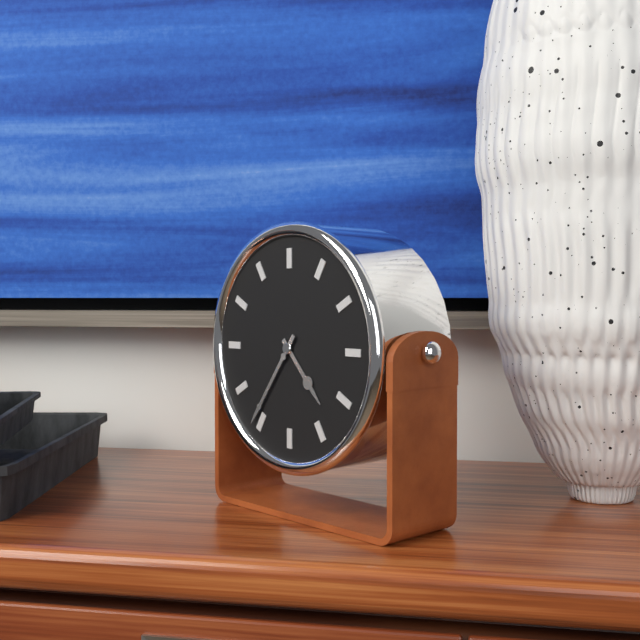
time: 4:36
